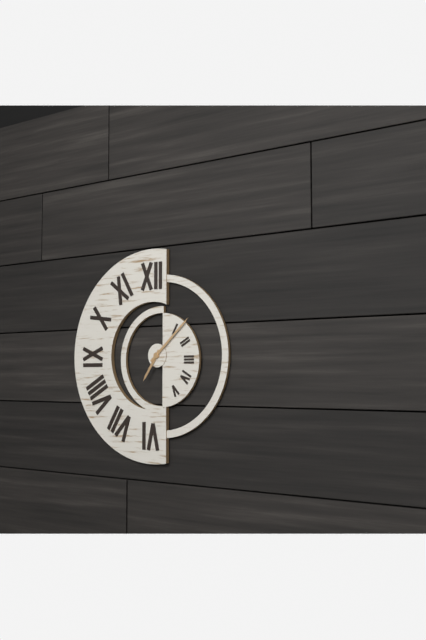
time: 7:08
